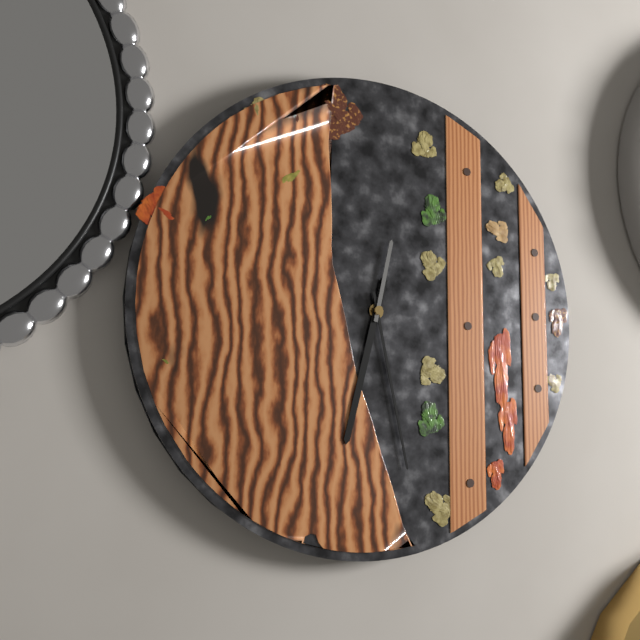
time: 6:28:02
